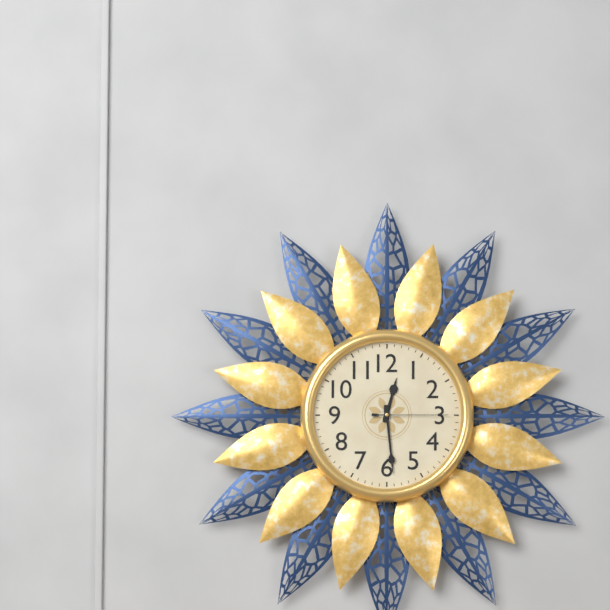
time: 12:29:15
